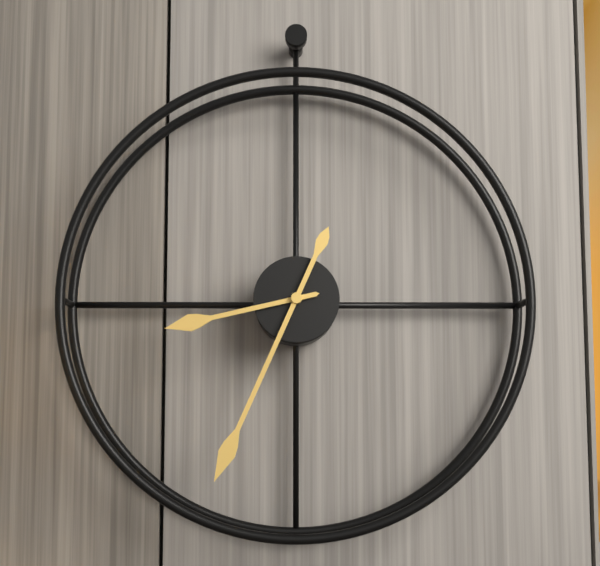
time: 8:34
